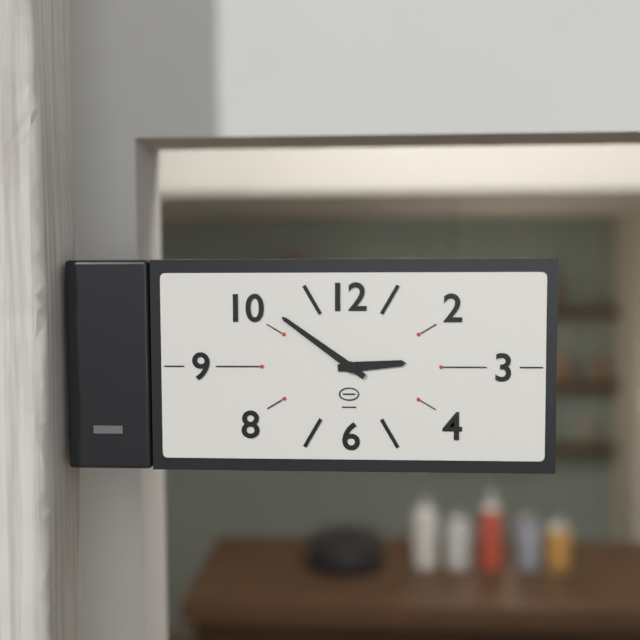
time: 2:51
